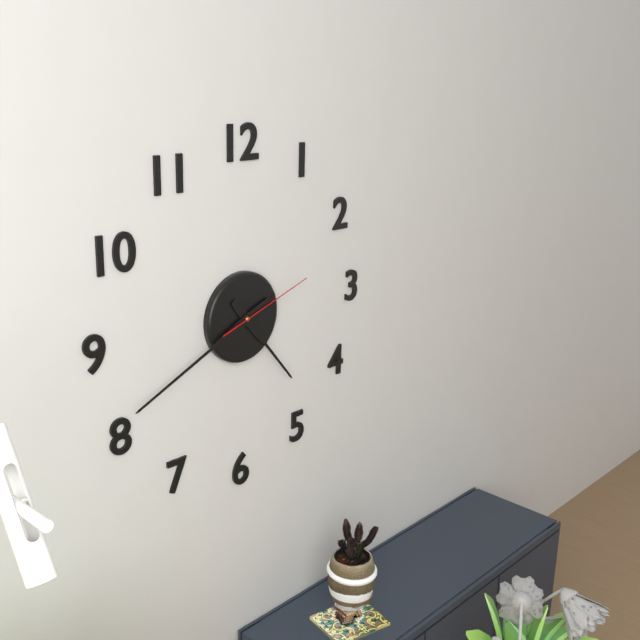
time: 4:41:12
